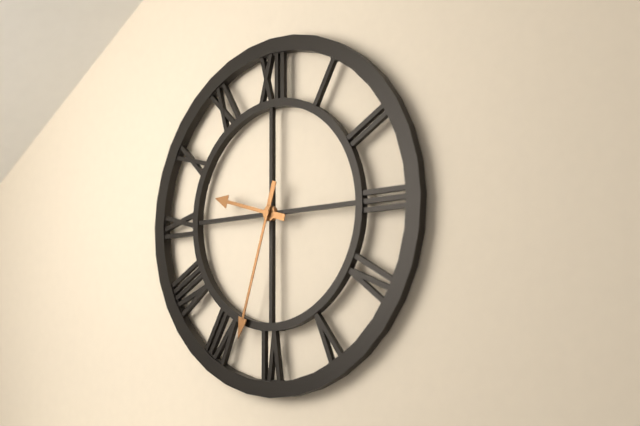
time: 9:33
